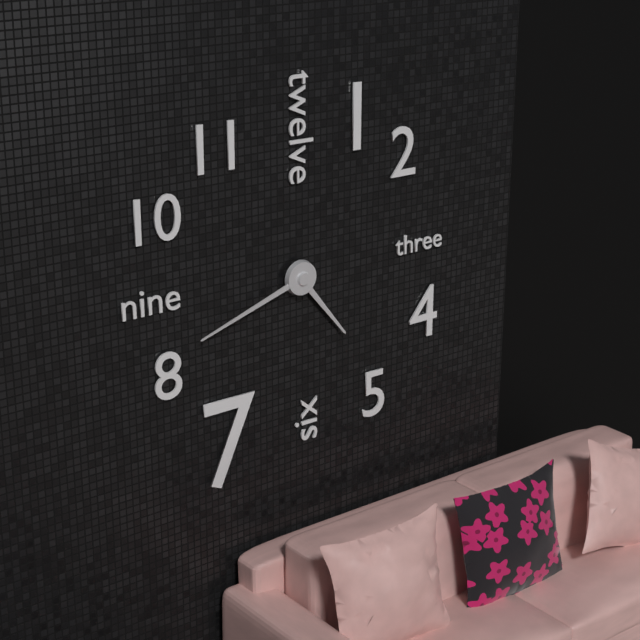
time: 4:42
